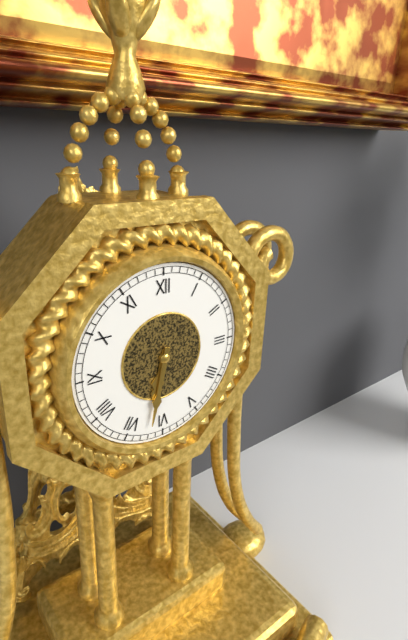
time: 6:32
